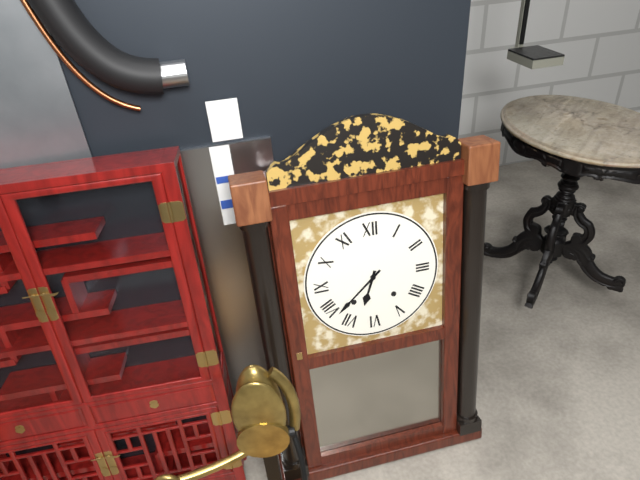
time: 6:38
